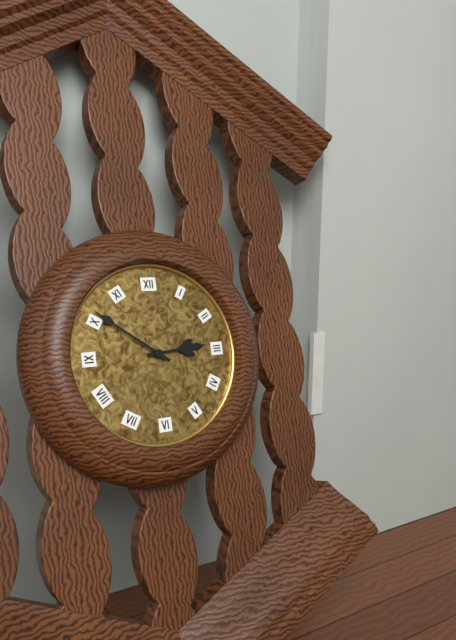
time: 2:51
